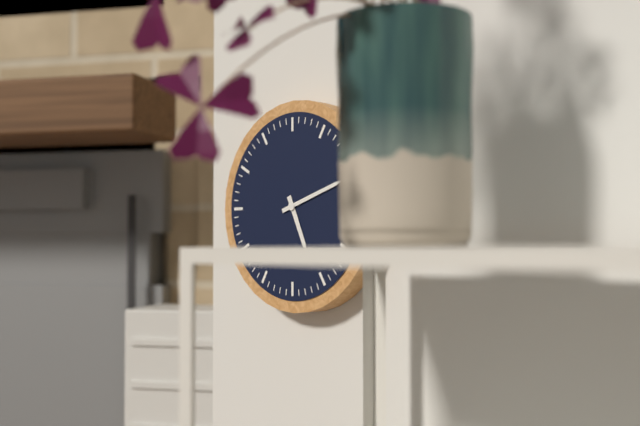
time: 5:12
